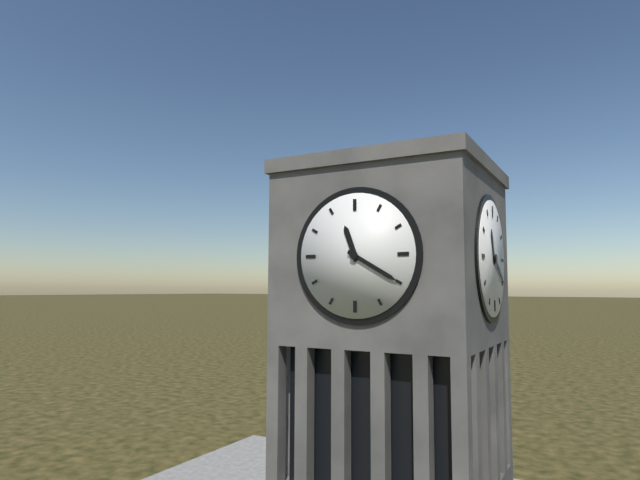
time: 11:20
